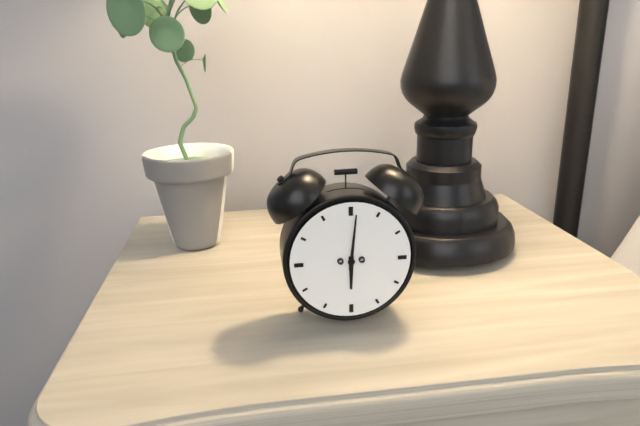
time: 6:01
